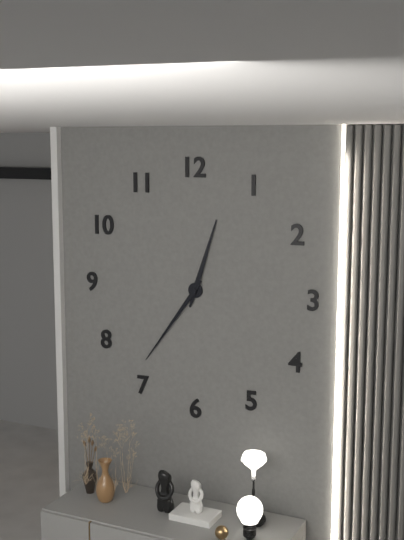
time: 12:36
